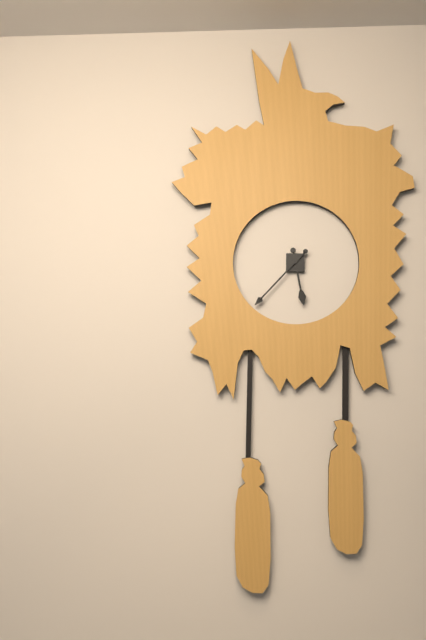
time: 5:37
